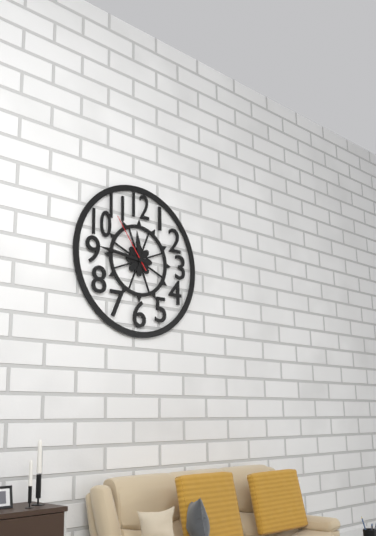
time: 11:46:54
